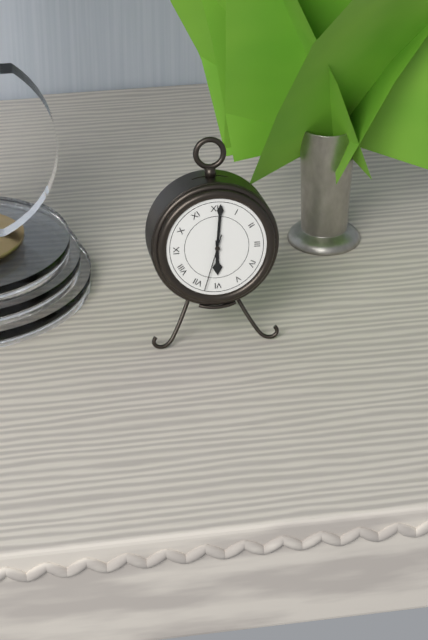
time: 6:01:33
